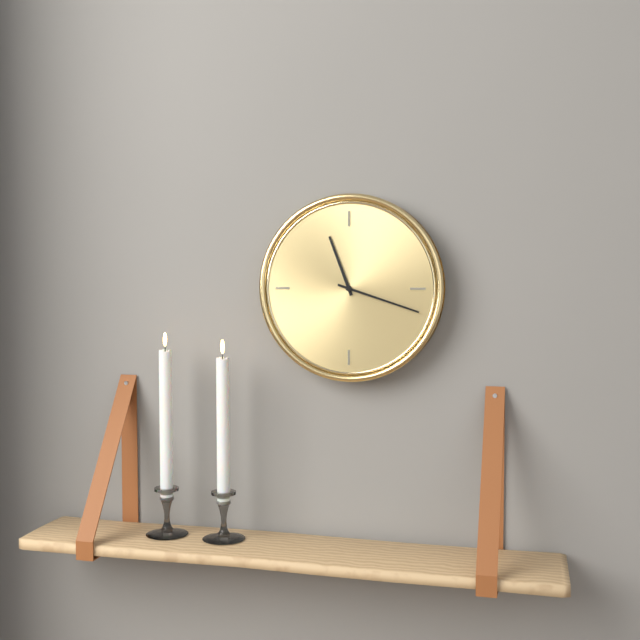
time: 11:18
